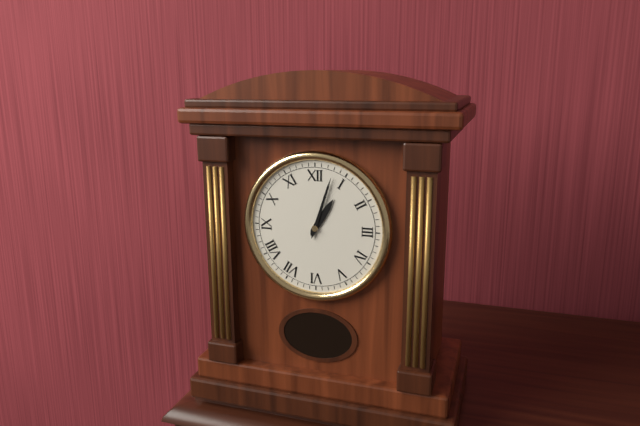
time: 1:03
